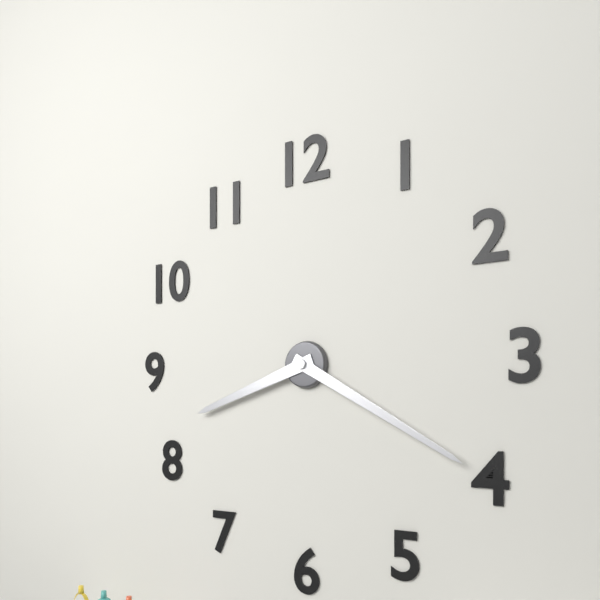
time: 8:20
